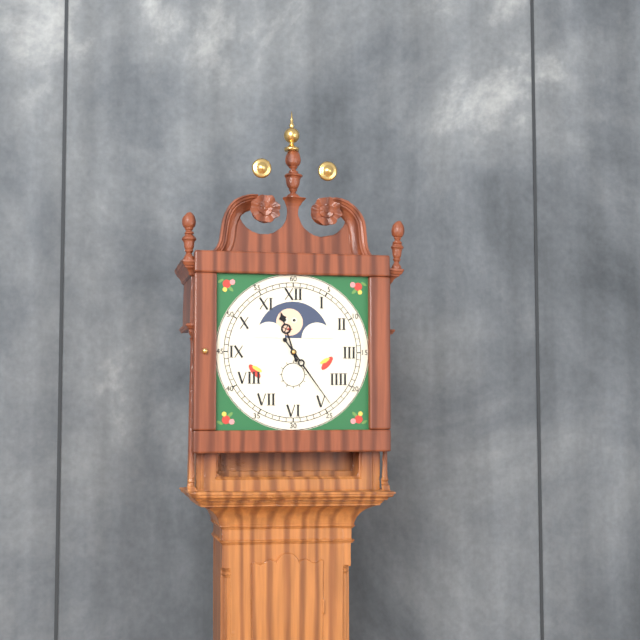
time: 11:24
